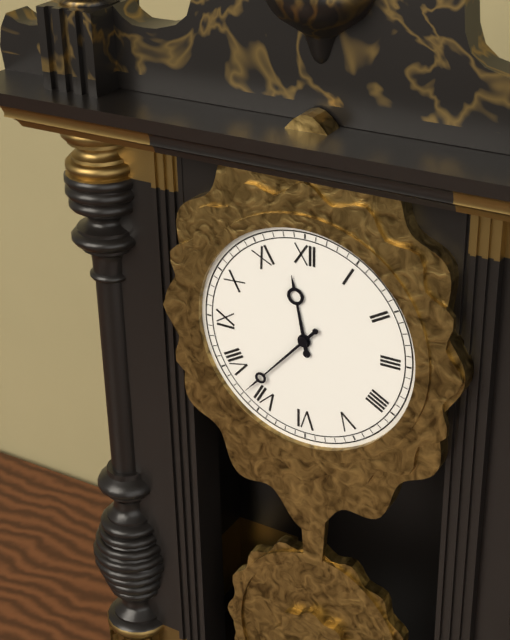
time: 11:37
